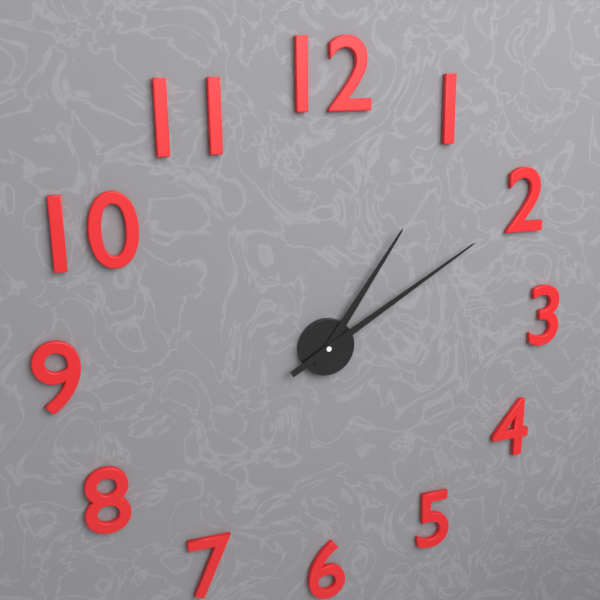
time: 1:10
